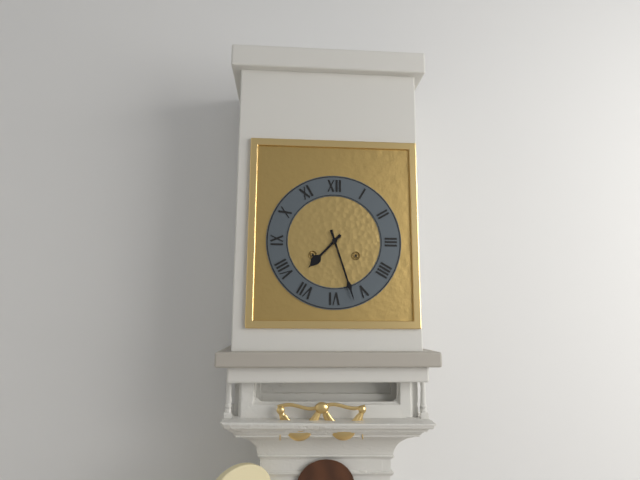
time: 7:27
